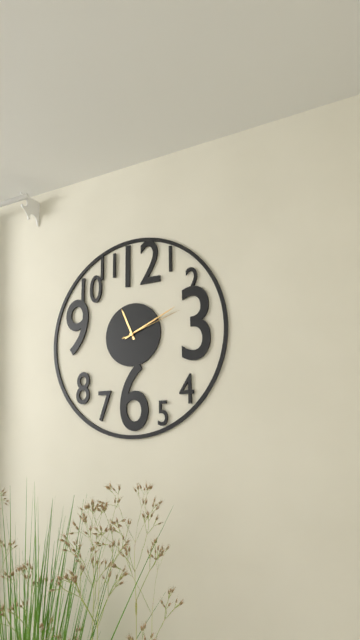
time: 11:11:12
